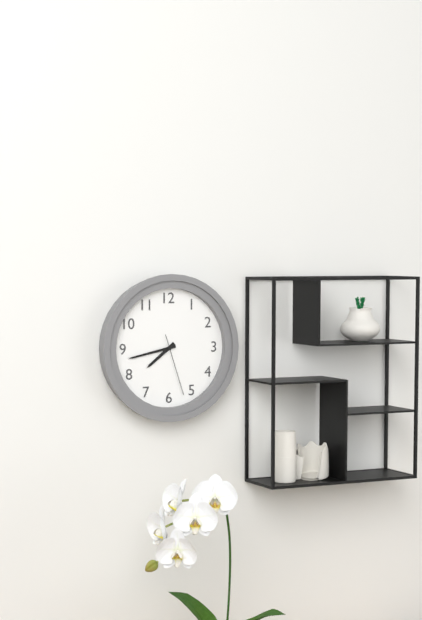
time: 7:43:27
